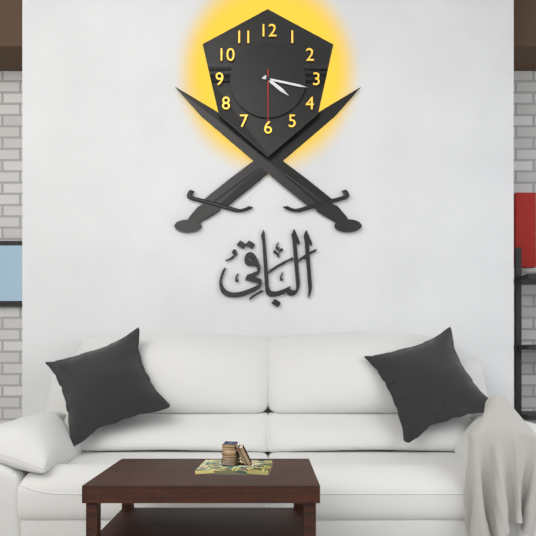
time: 4:17:30
